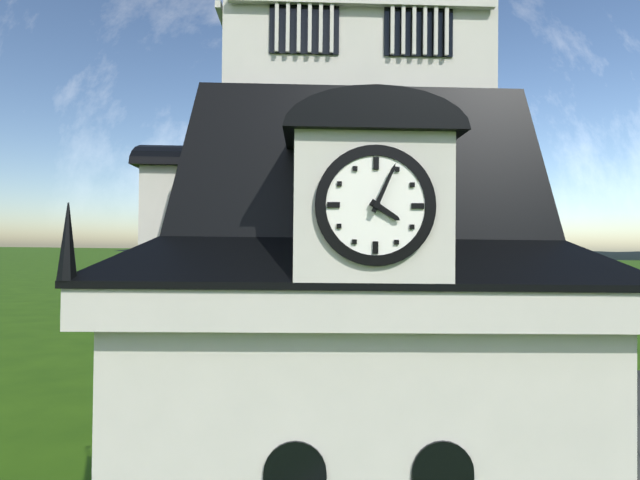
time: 4:04
